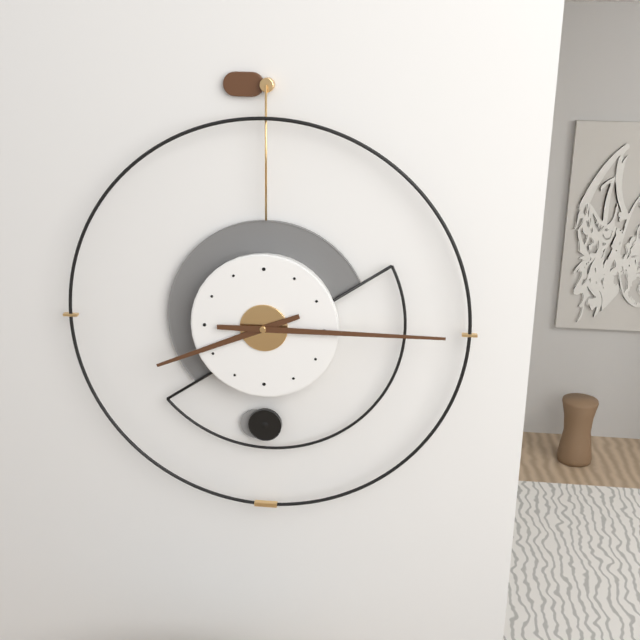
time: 8:15
